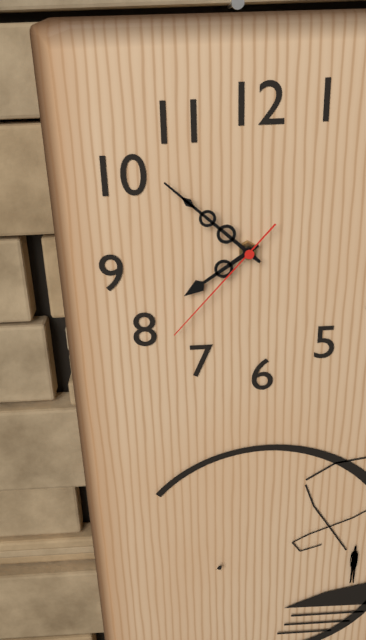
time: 7:52:37
